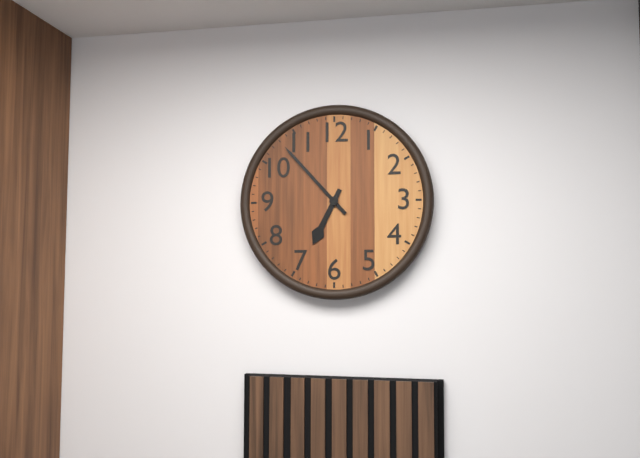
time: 6:53
